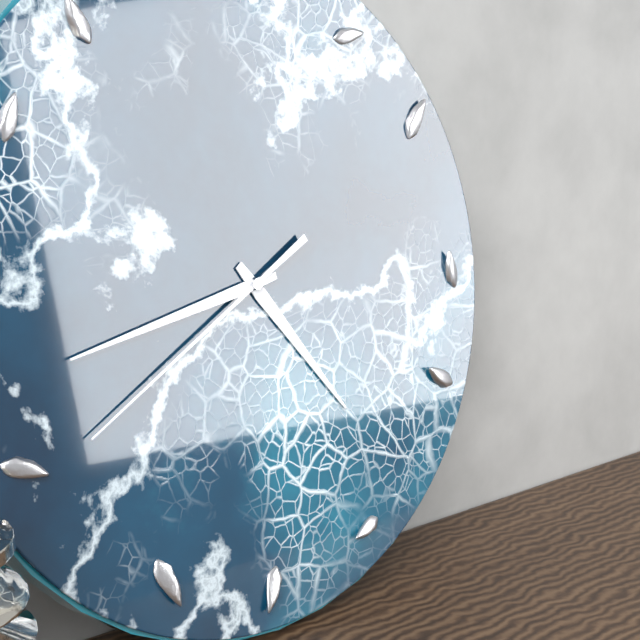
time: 4:43:40
